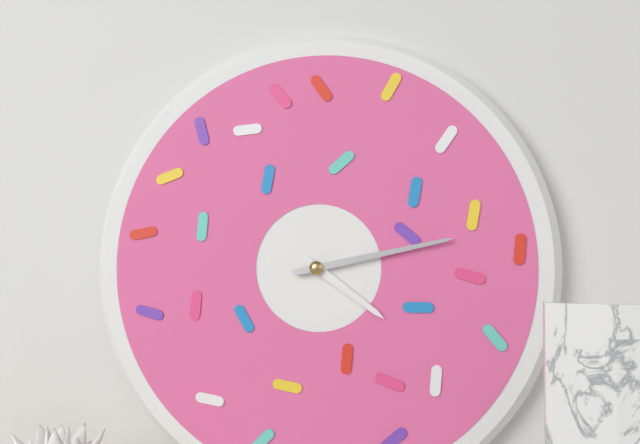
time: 4:13
